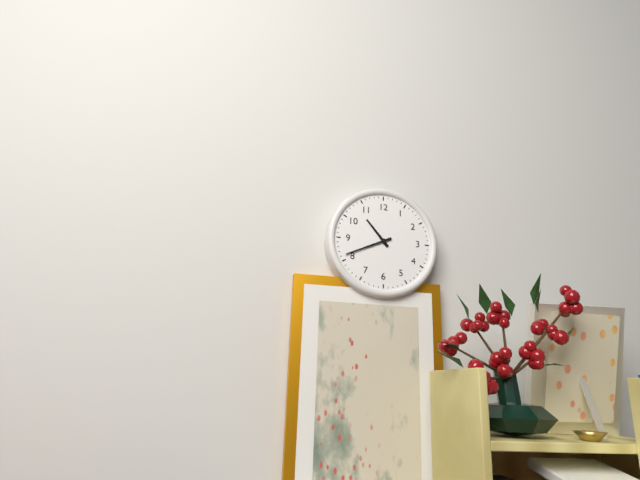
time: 10:41
